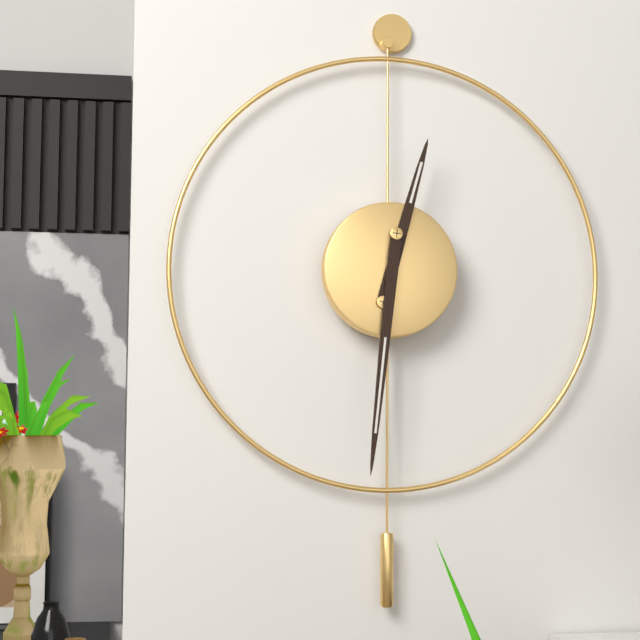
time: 12:31
